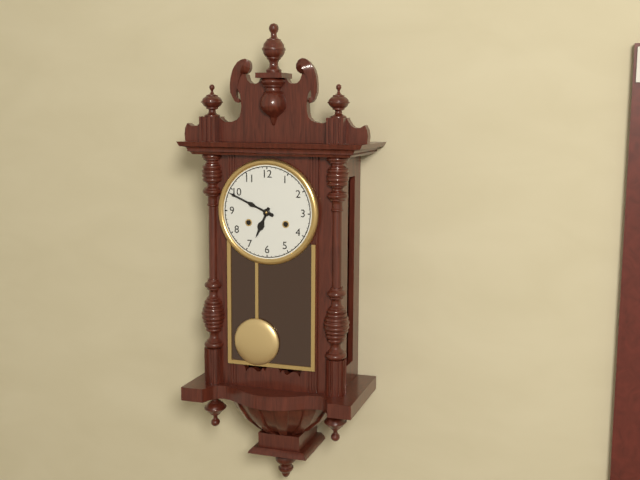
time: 6:49
